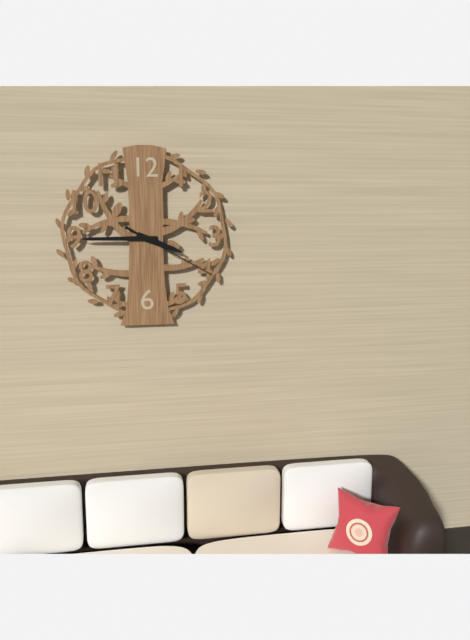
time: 3:45:20
